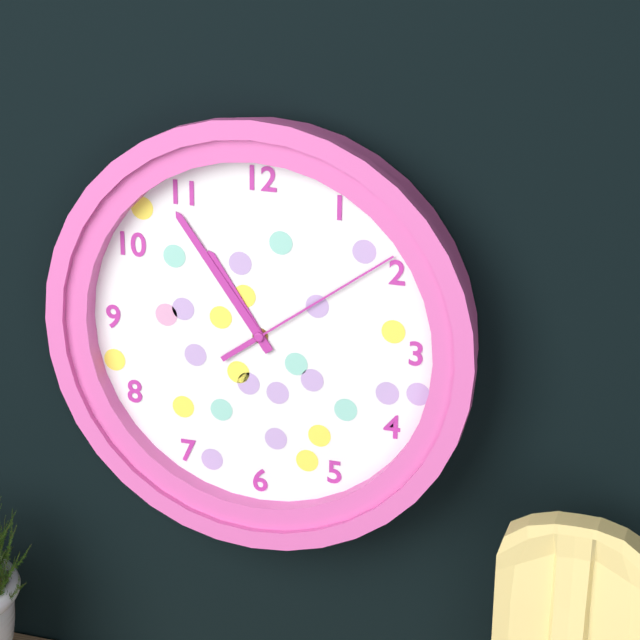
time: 10:54:09
